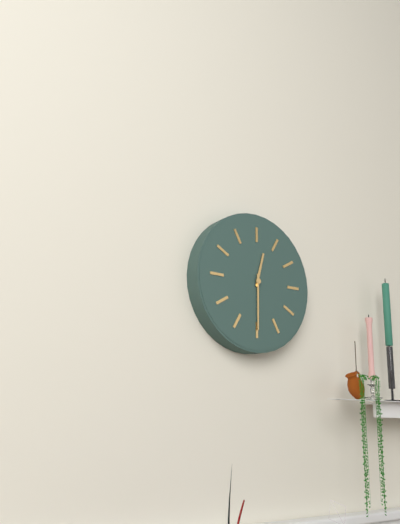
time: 12:30
